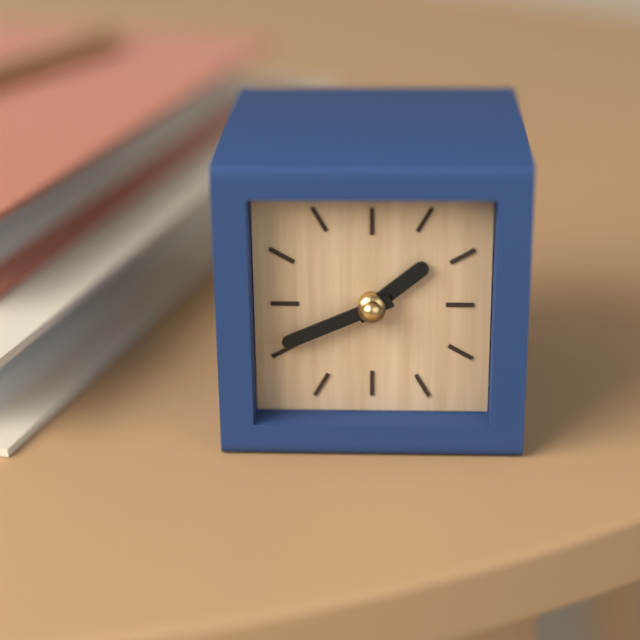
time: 1:41
